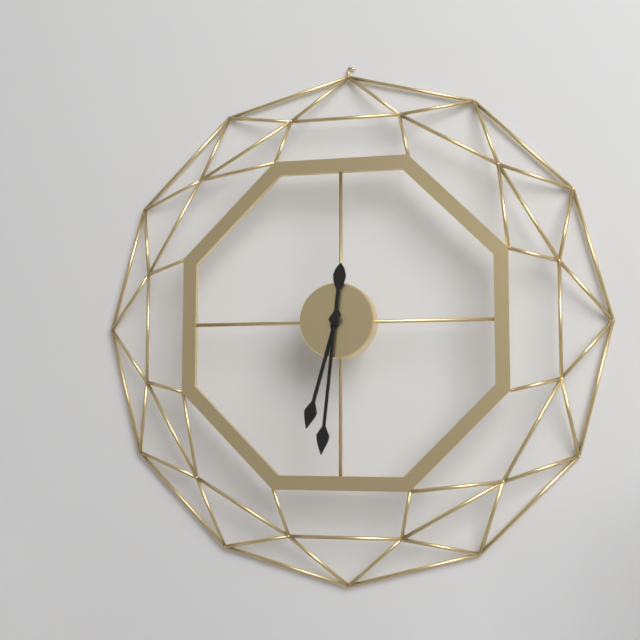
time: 6:31
